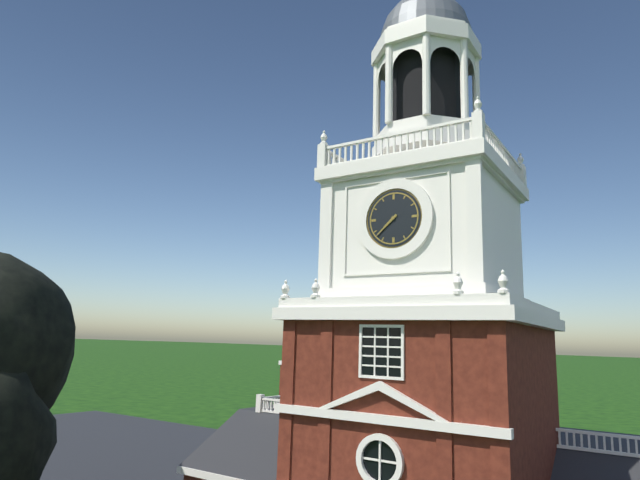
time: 7:38
